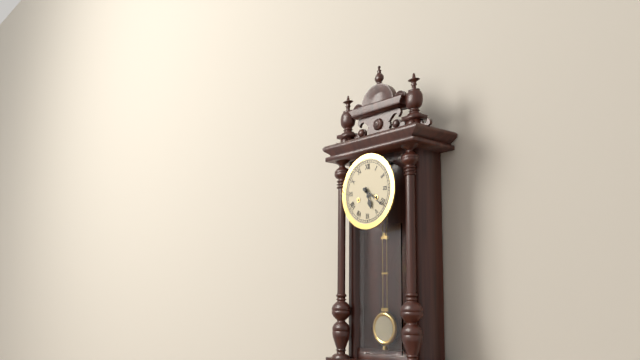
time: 5:21
